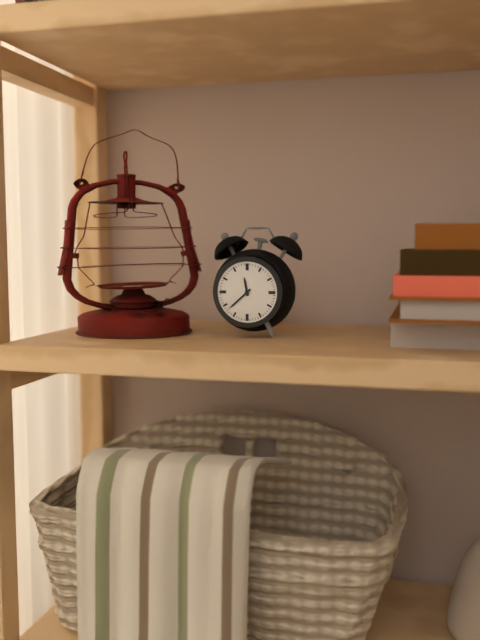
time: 11:38
